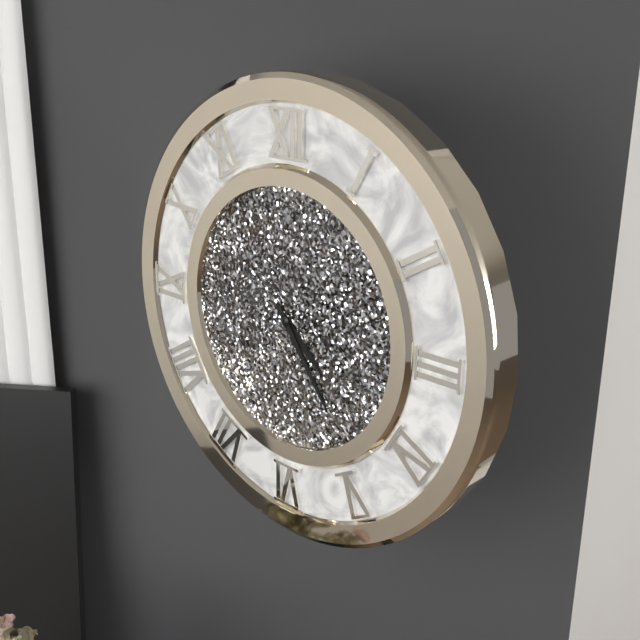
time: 4:24
